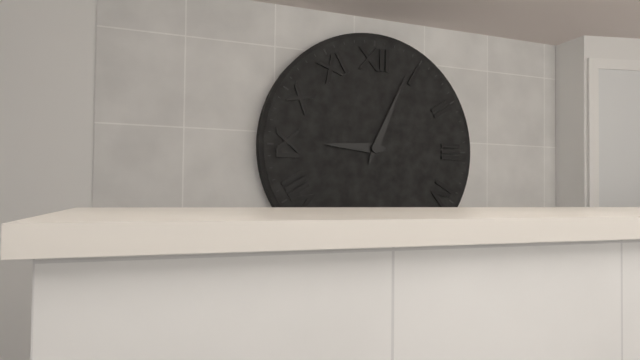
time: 9:04
